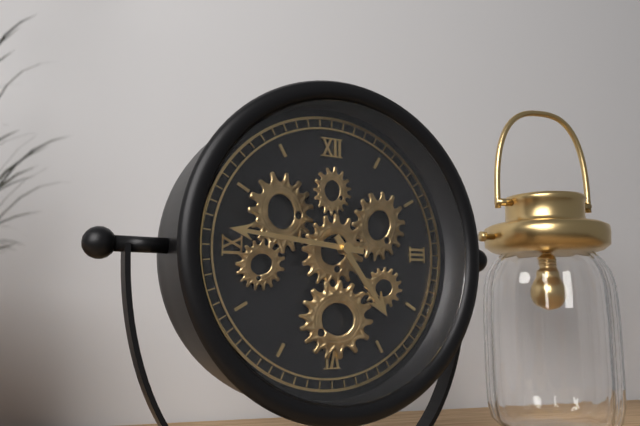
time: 4:46
